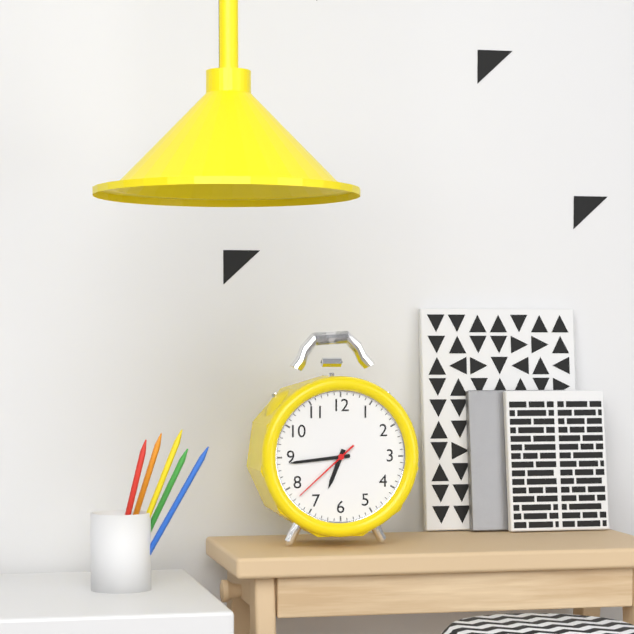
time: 6:44:38
